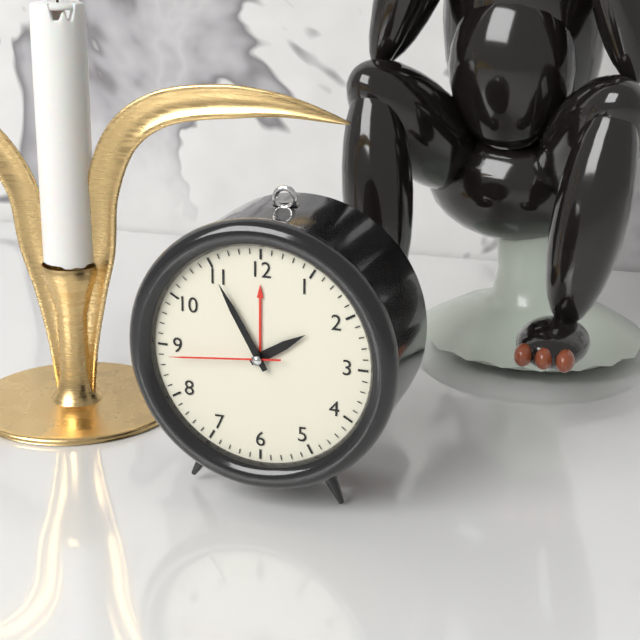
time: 1:55:44
